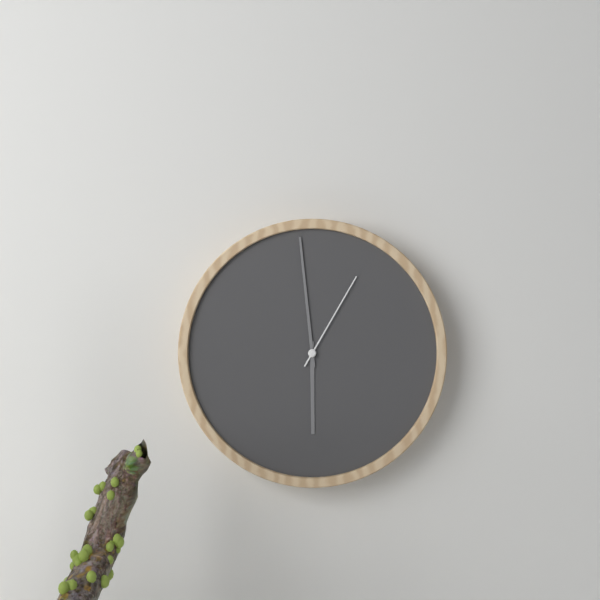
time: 5:59:05
